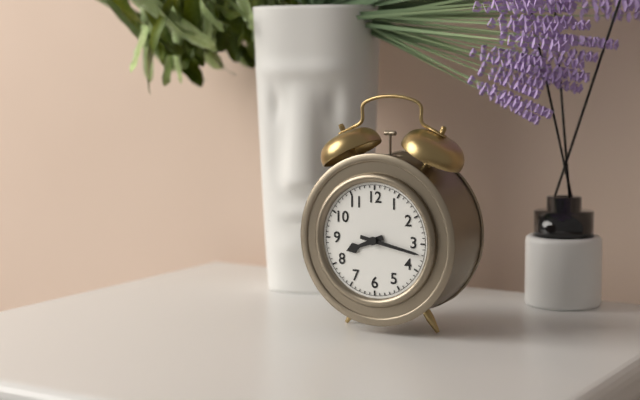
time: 8:17
